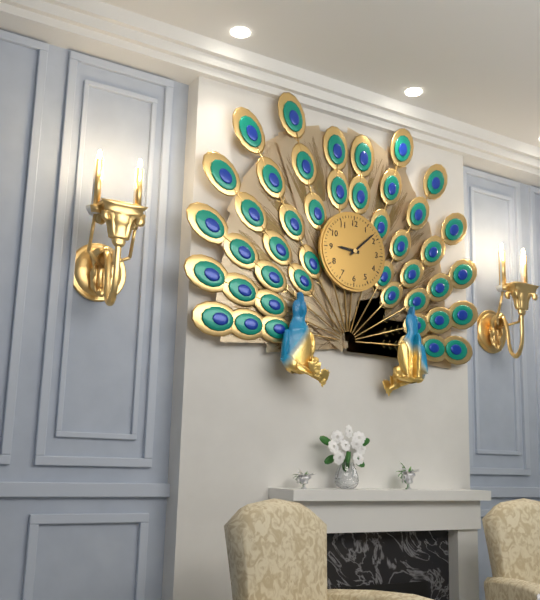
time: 9:08
